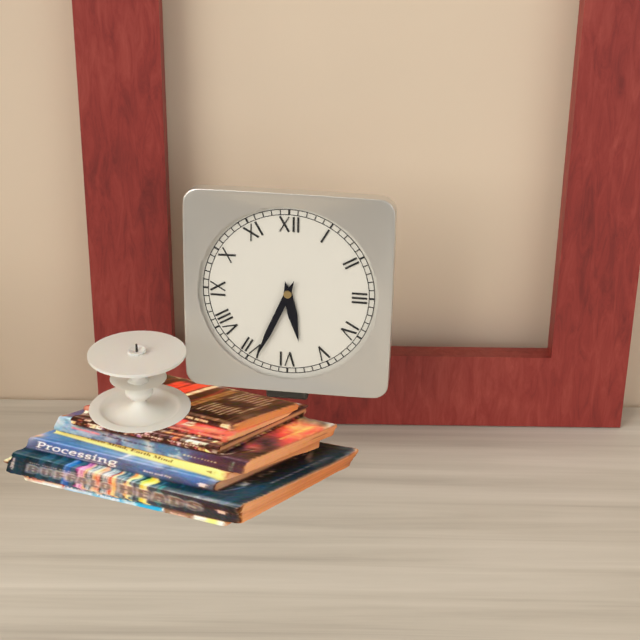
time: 5:34
